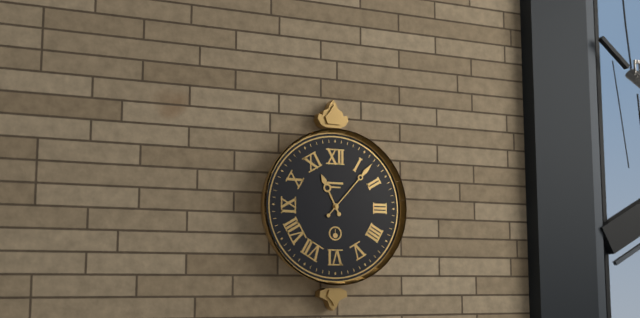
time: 11:07
